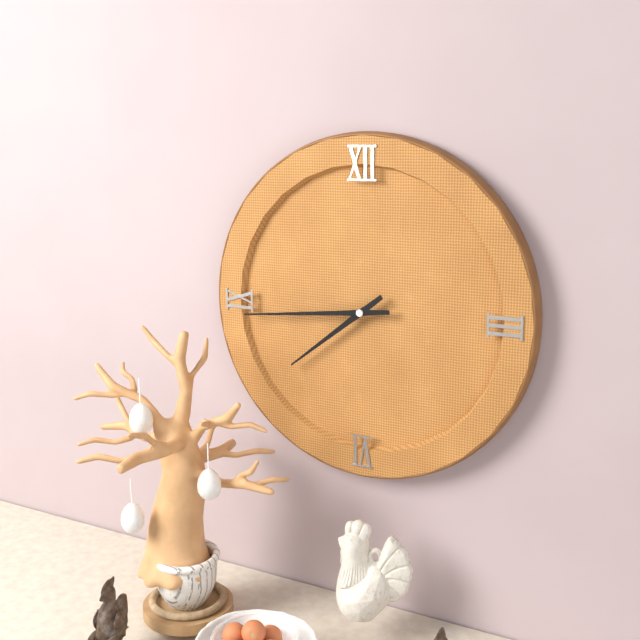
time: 7:44
